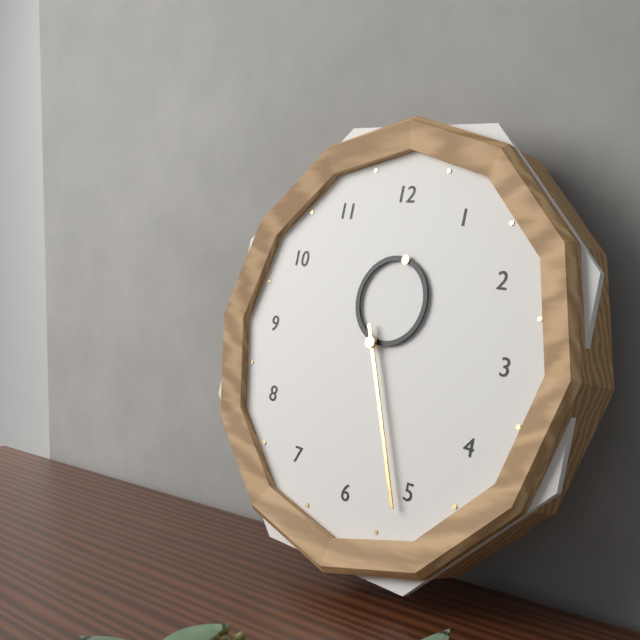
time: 12:26
